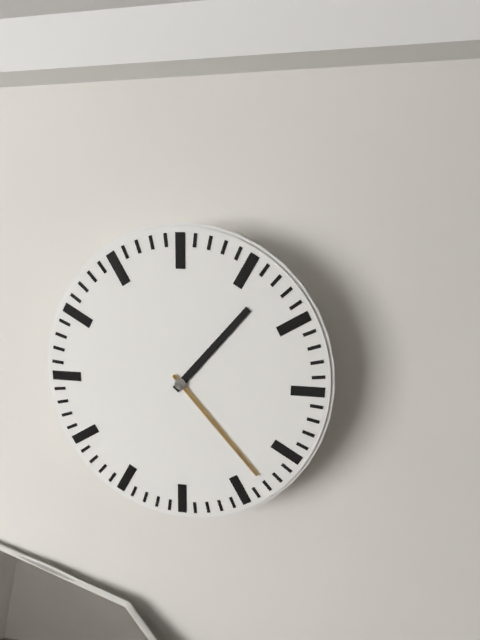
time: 1:23
